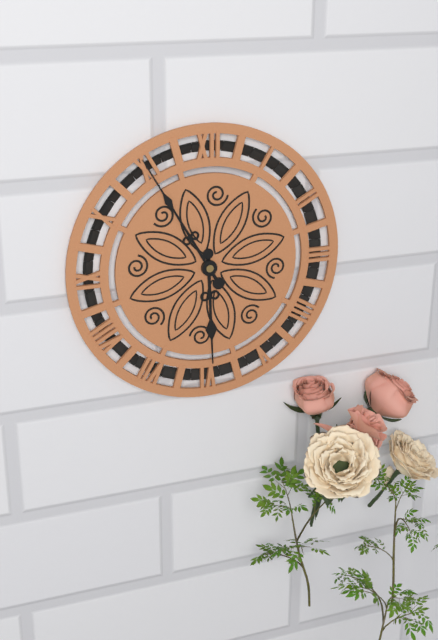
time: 5:55
